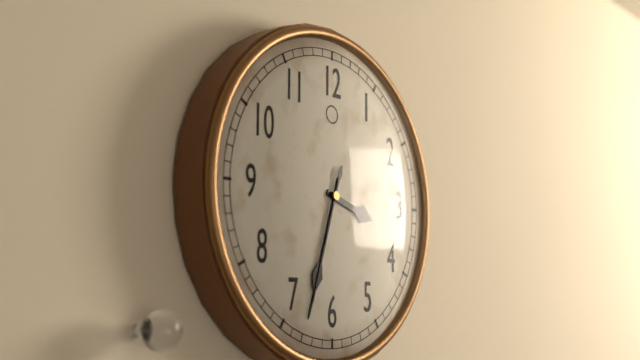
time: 3:33:33
